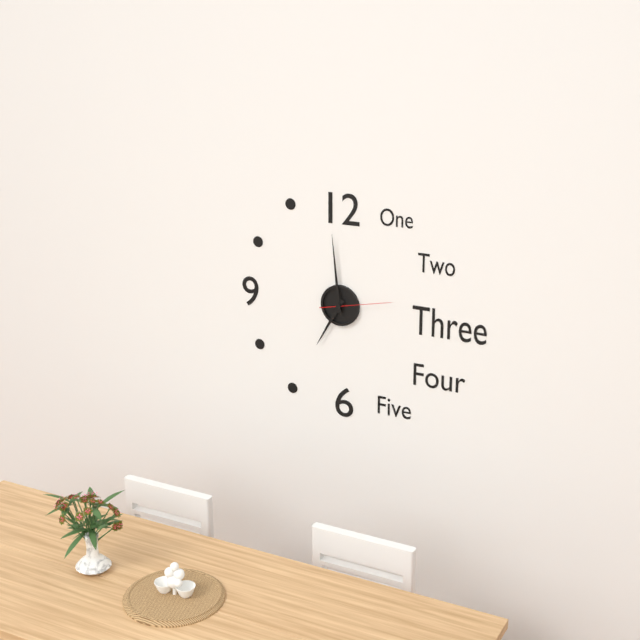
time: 6:59:13
